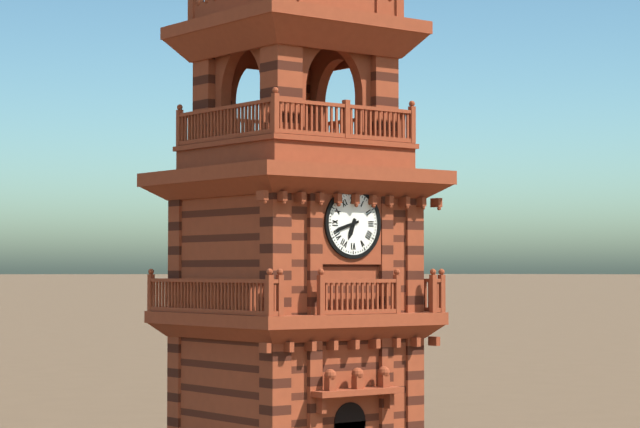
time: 6:42
